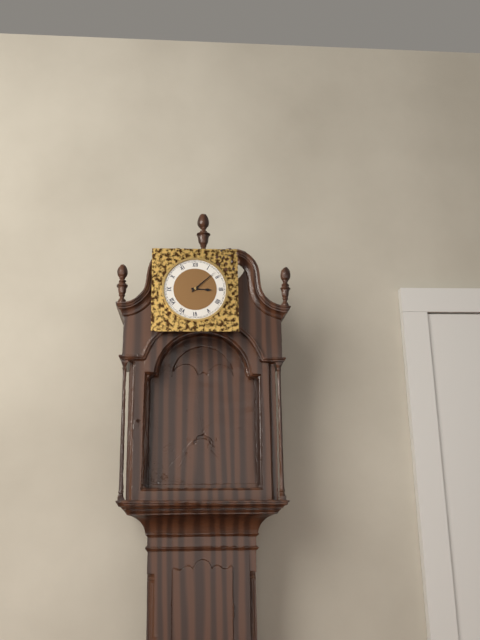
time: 3:08
